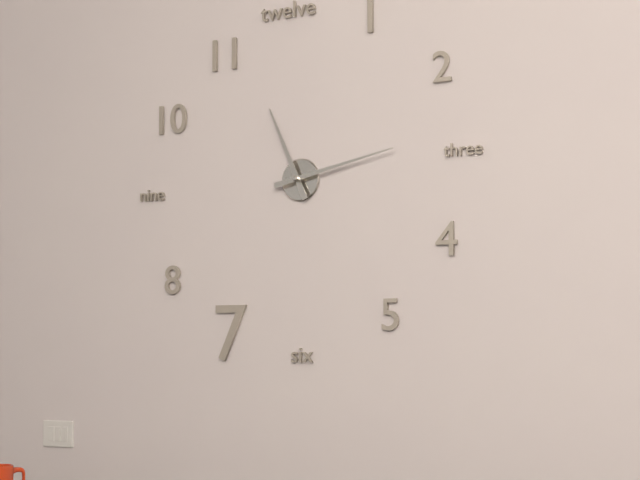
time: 11:13
